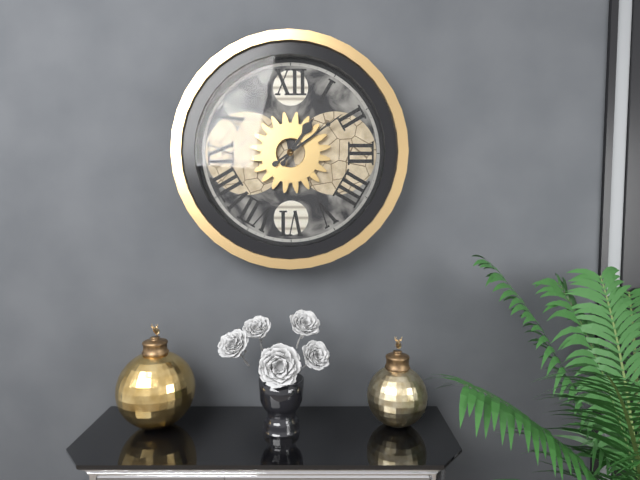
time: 1:09
